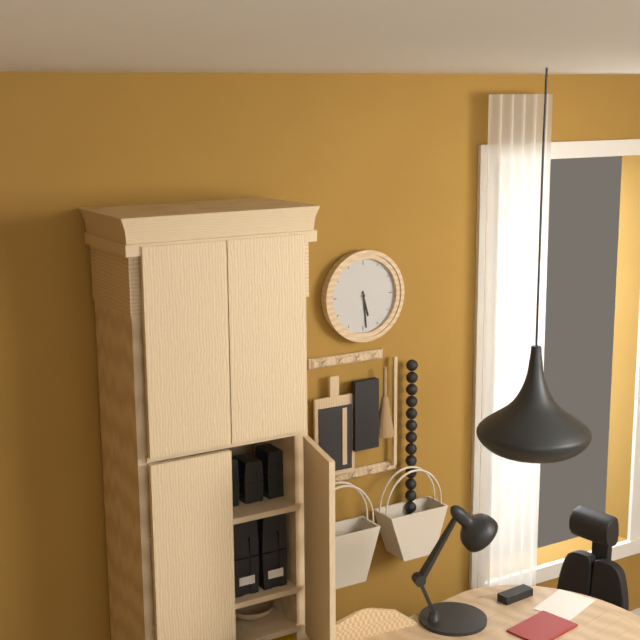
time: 5:29
